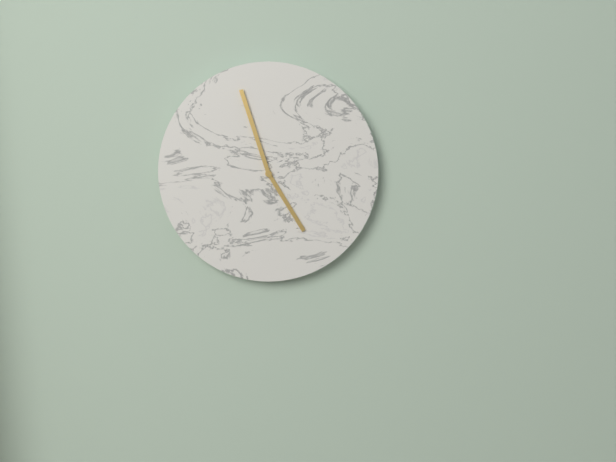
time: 4:57
